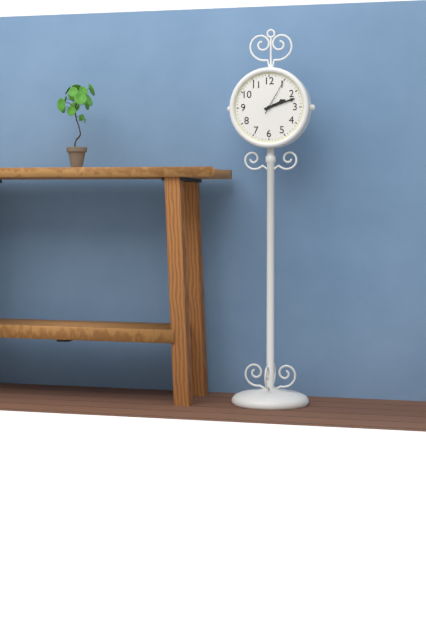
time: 2:12
